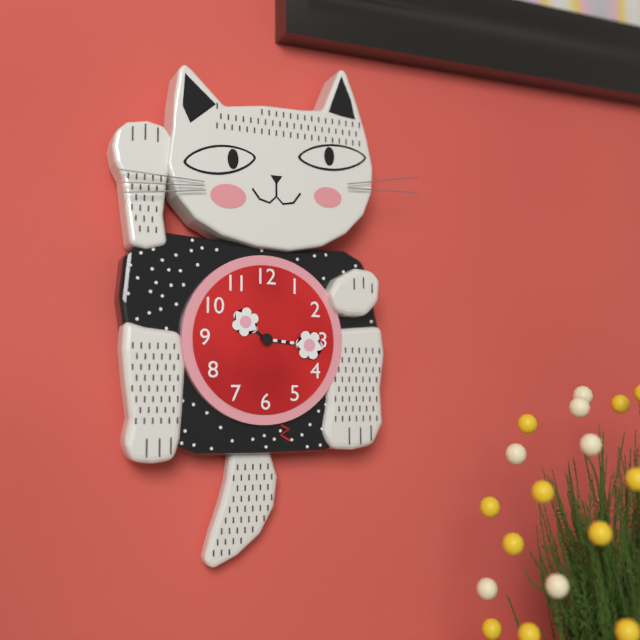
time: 10:16
